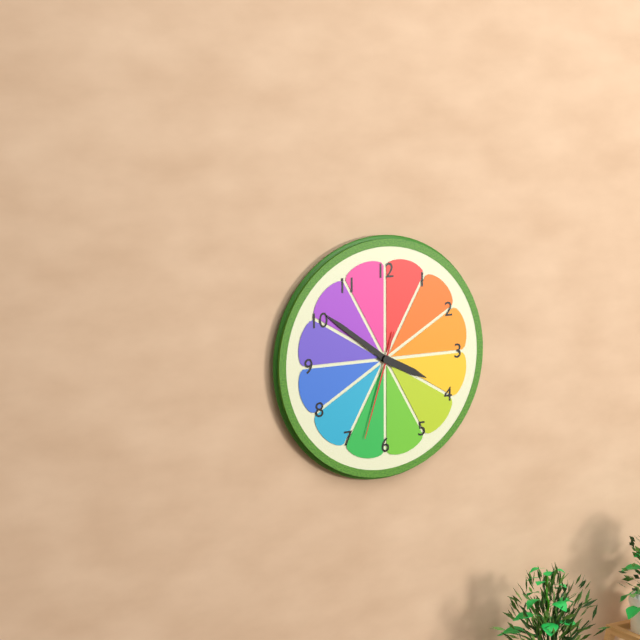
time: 3:51:33
